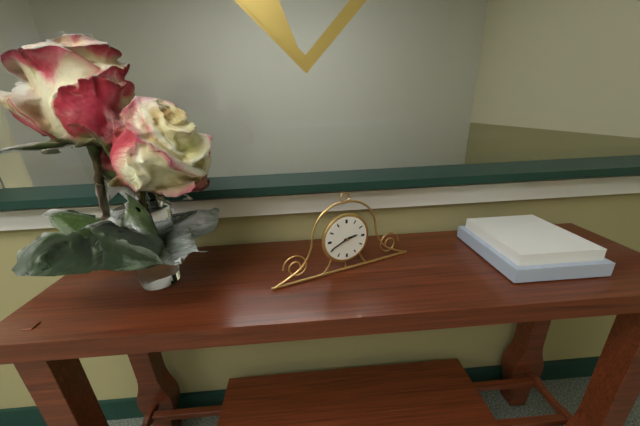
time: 2:41
